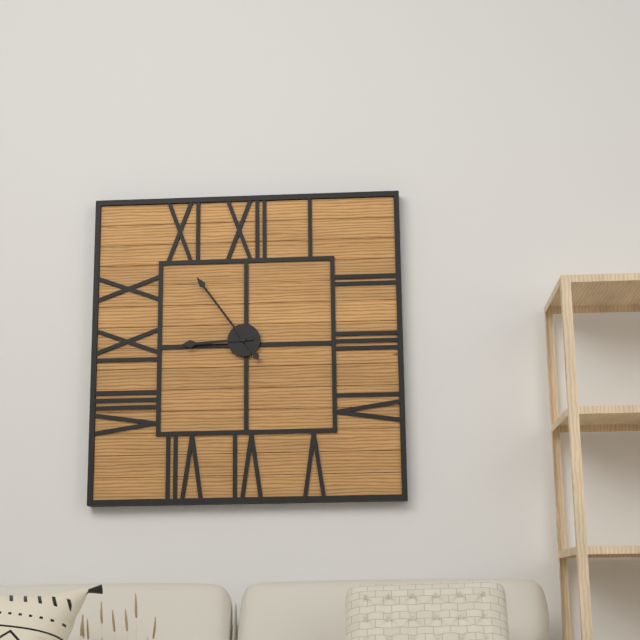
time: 8:54
